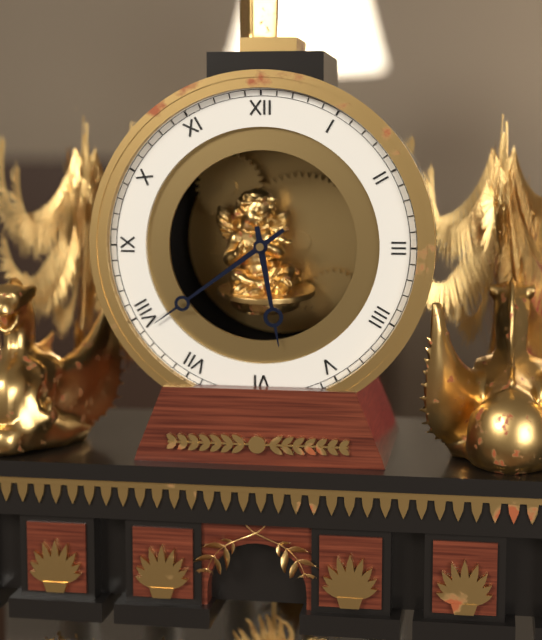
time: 5:39
